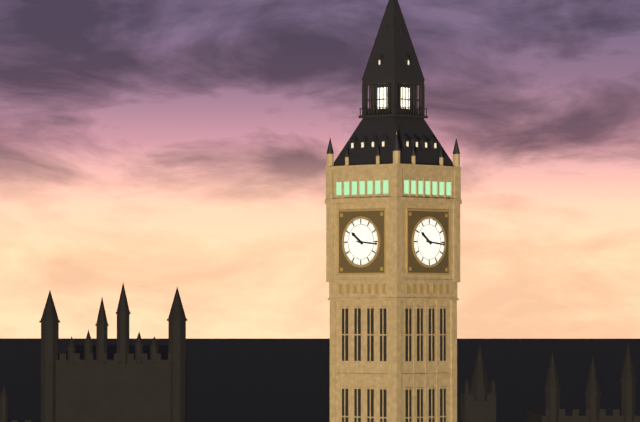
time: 10:16
